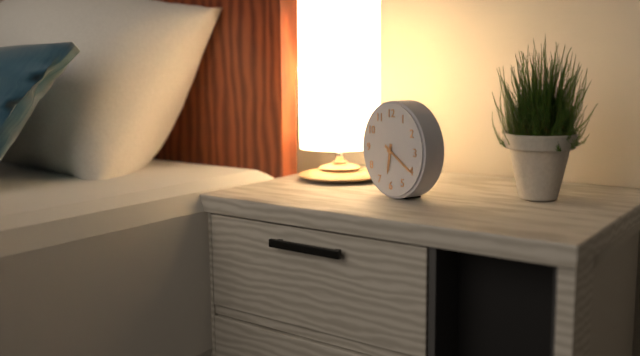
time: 6:20
